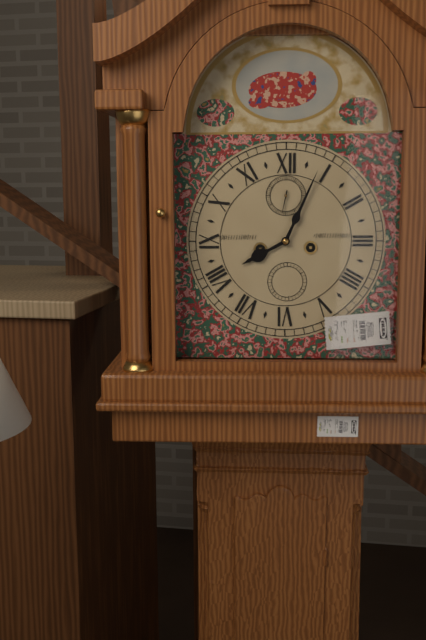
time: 8:04
